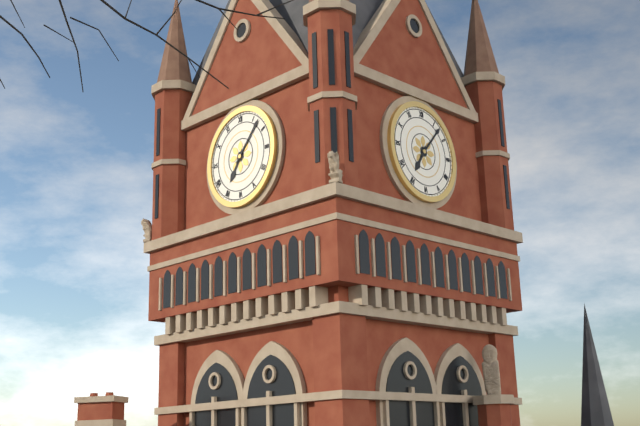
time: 7:07
